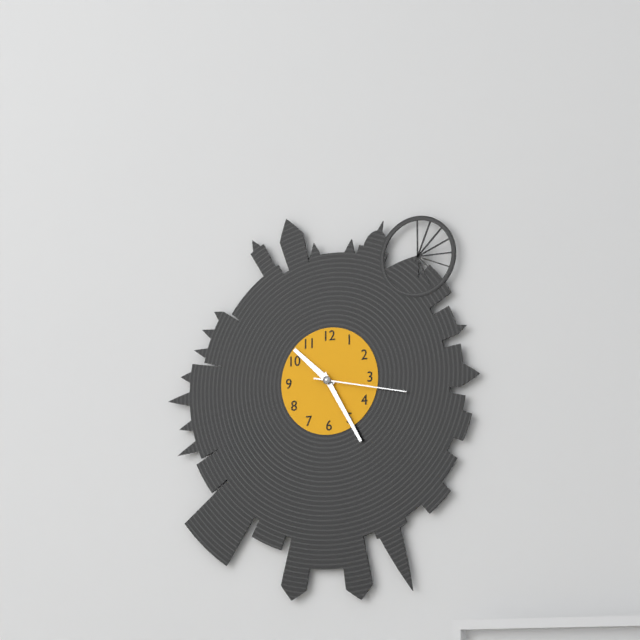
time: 10:25:17
